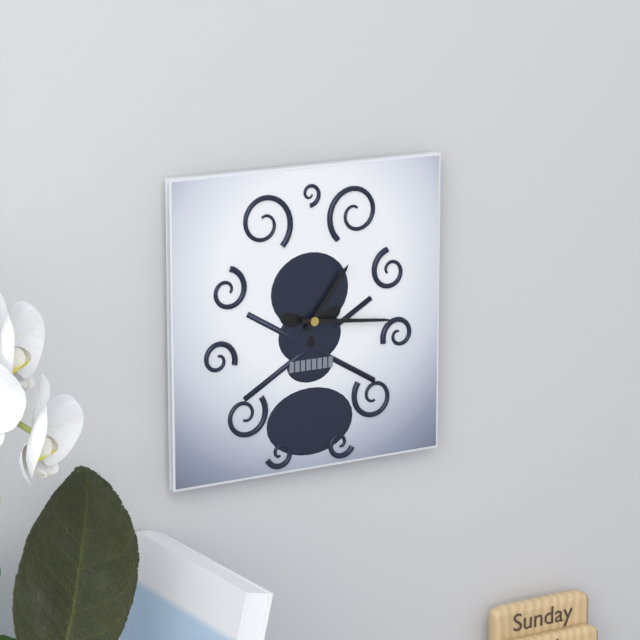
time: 1:16
